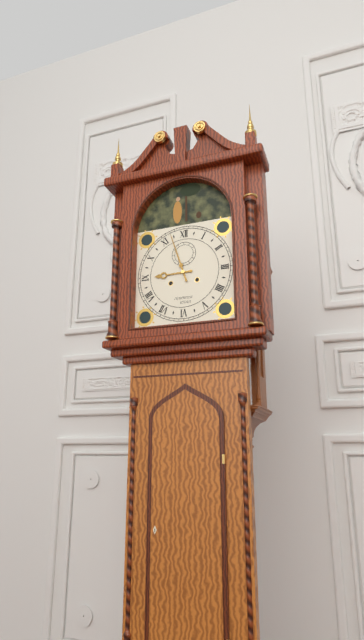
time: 8:57
